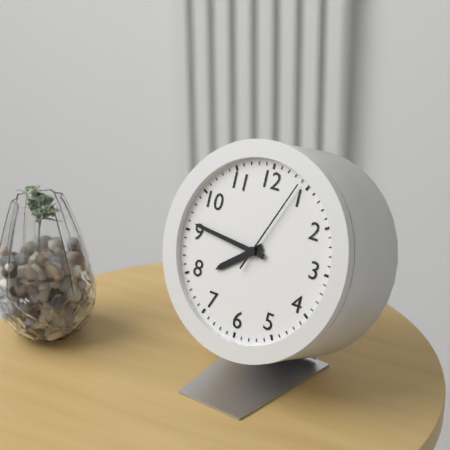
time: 7:46:04
